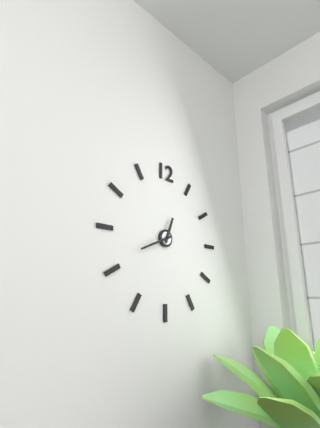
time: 12:41
